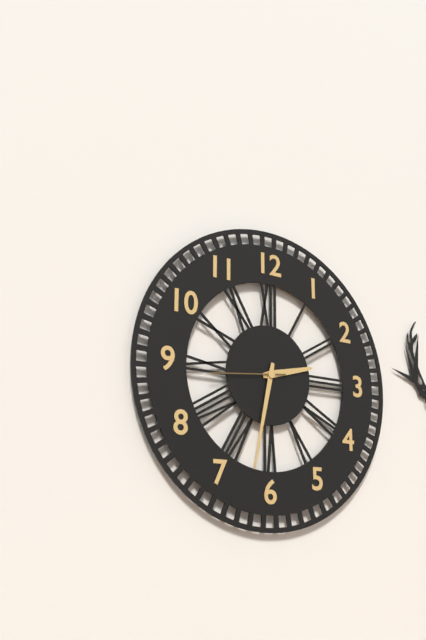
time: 2:32:44
